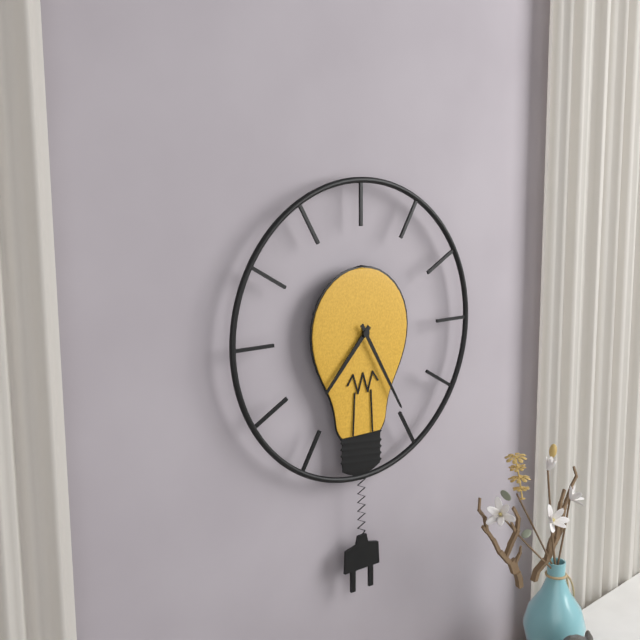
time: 7:25
